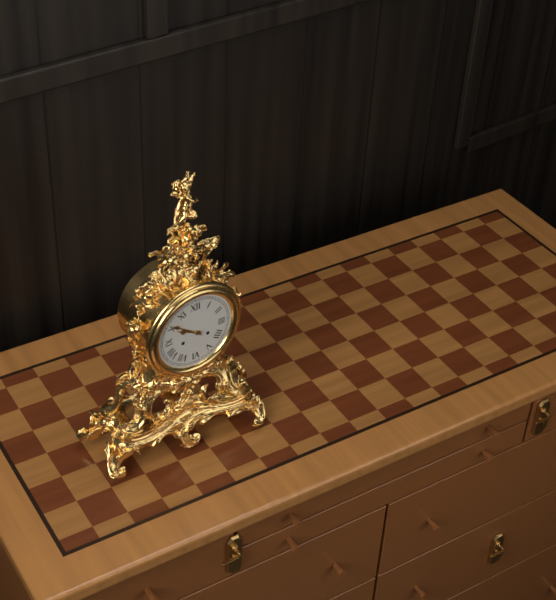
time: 9:51
